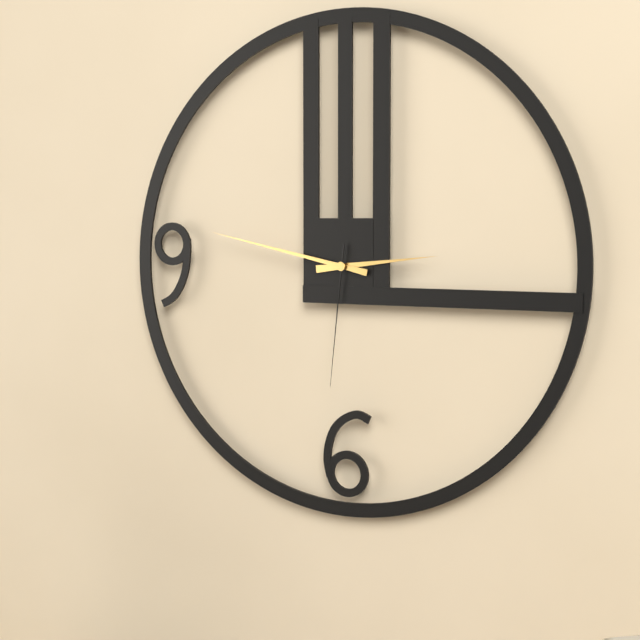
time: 2:47:31
